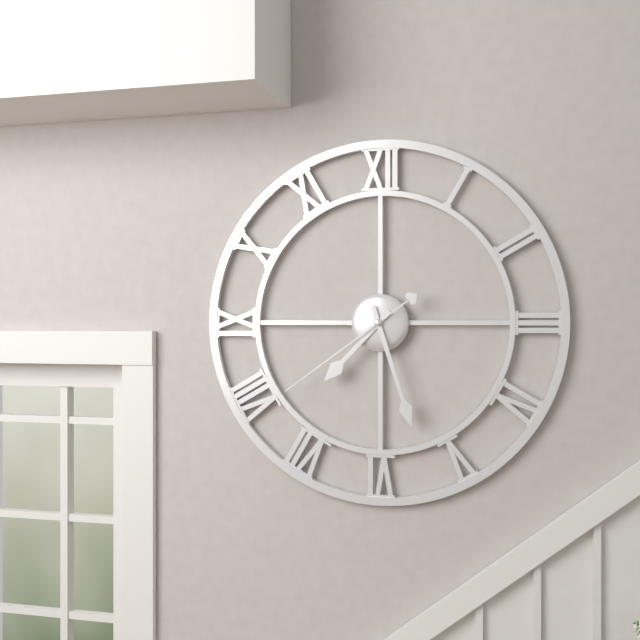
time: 7:27:39
